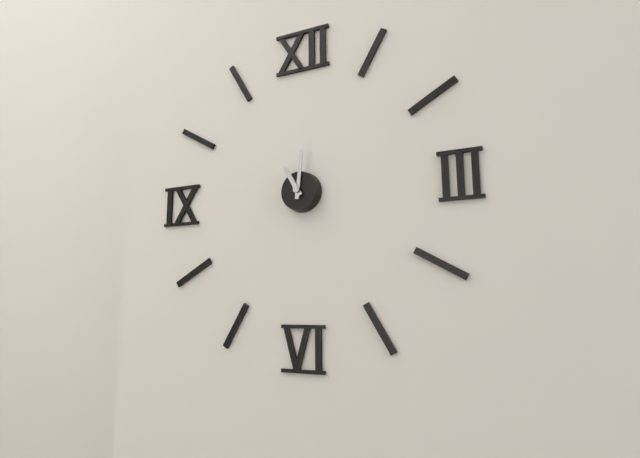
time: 11:01
